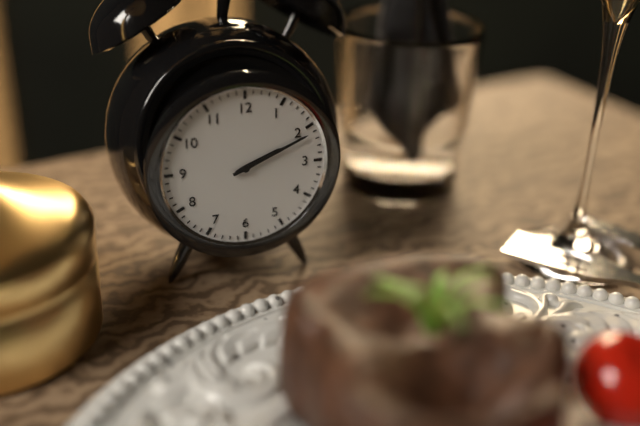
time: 2:11
